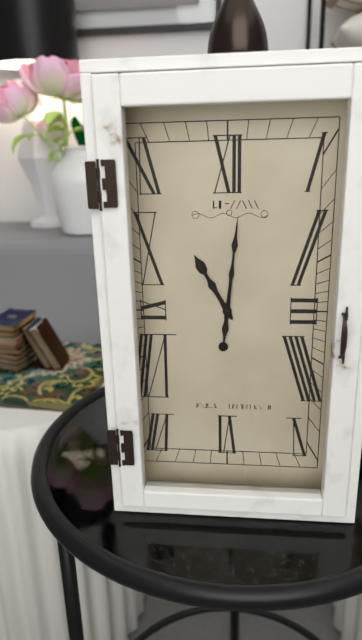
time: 11:01
